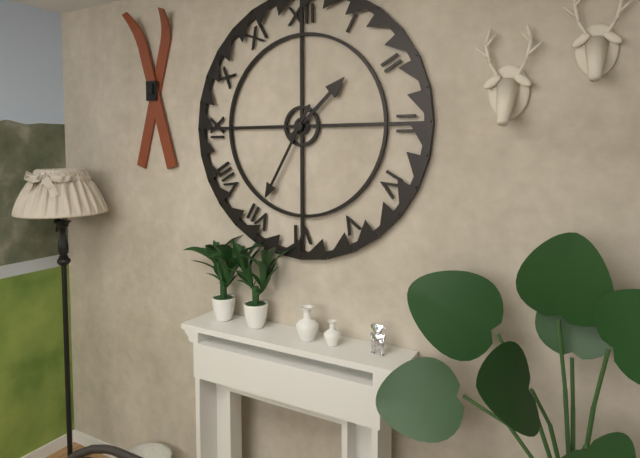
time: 1:35
